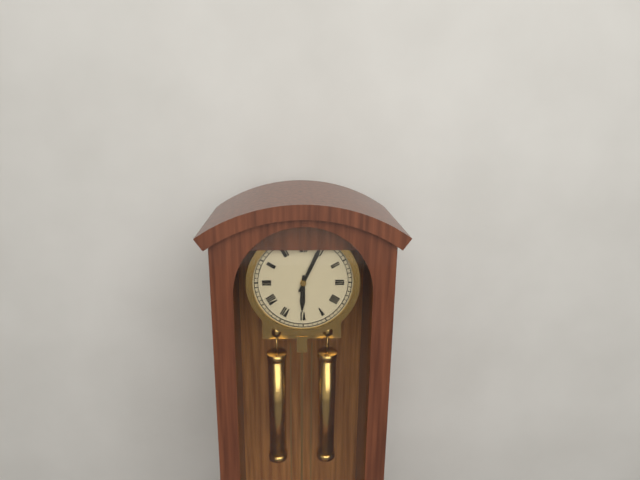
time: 6:04
